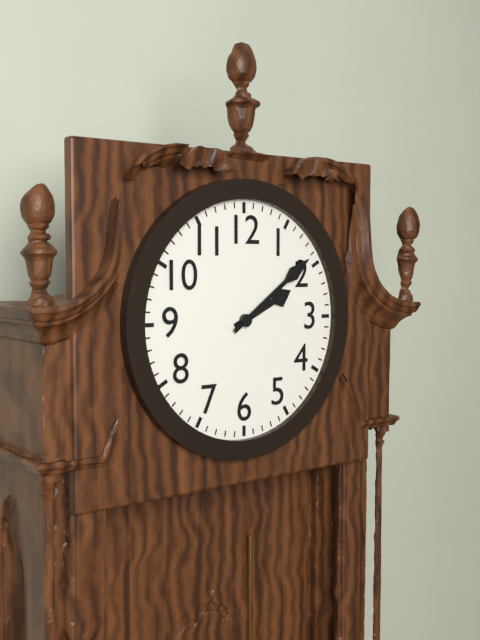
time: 2:09
